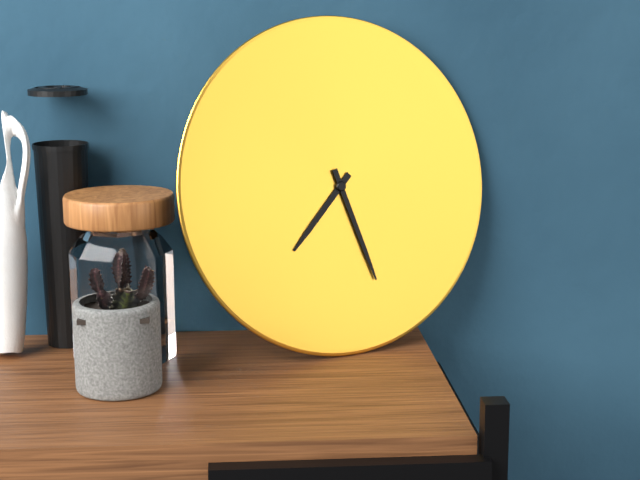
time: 7:27
